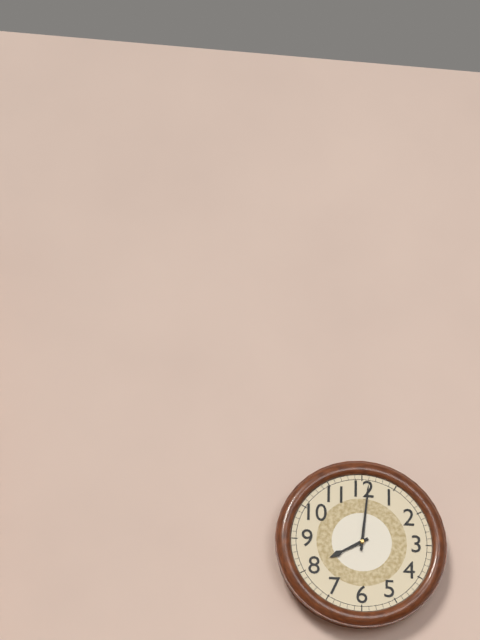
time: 8:01
